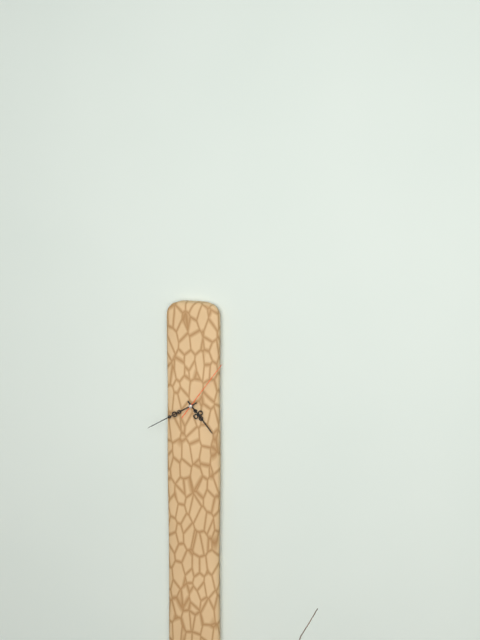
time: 4:40:06
